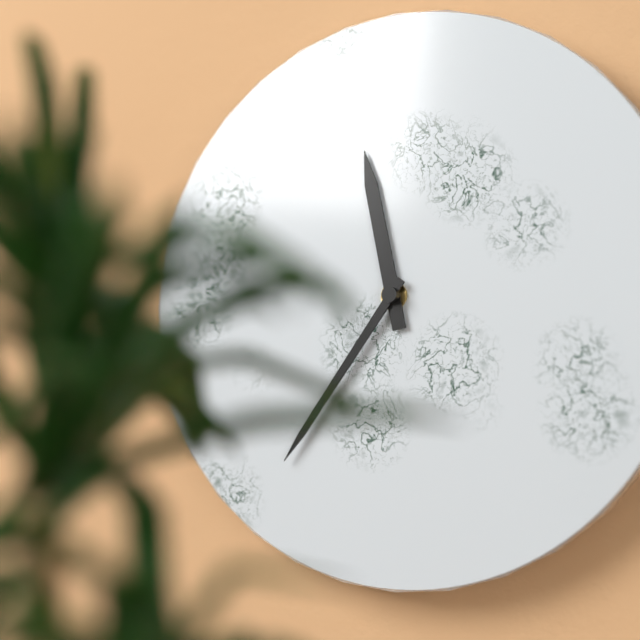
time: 11:36
